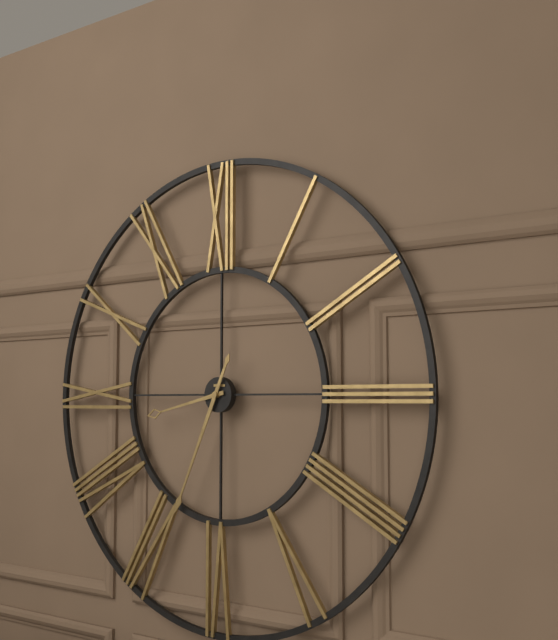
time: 8:34
